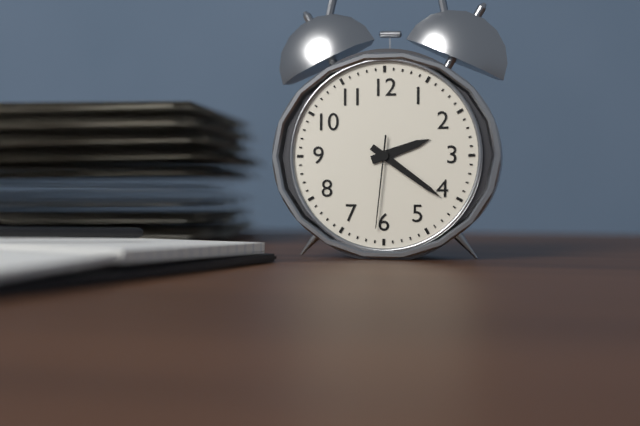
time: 2:21:31
